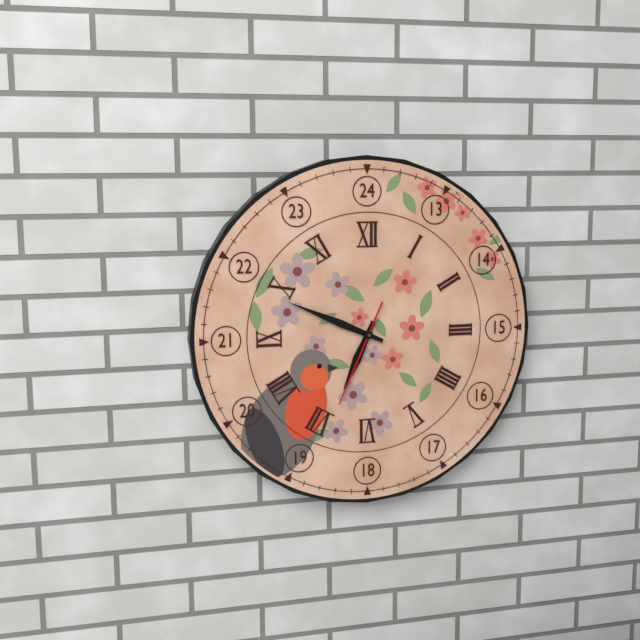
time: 6:49:34
